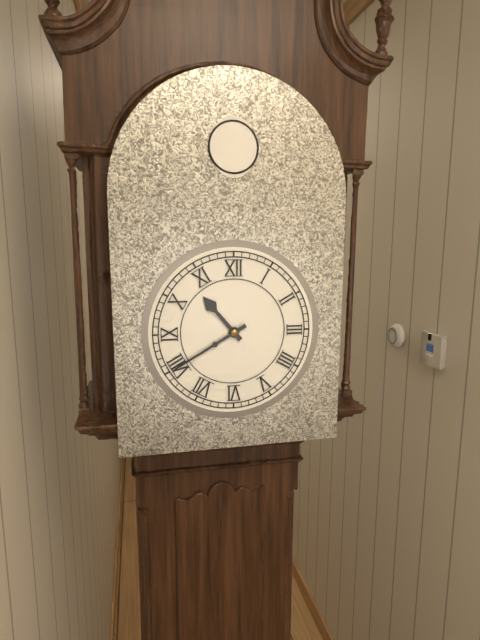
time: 10:40
